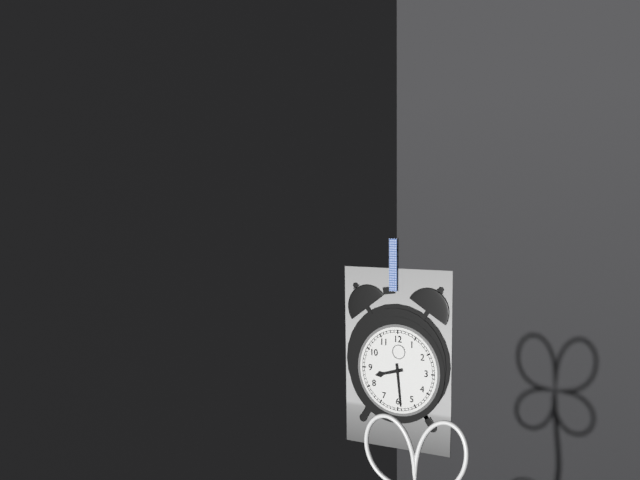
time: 8:29
